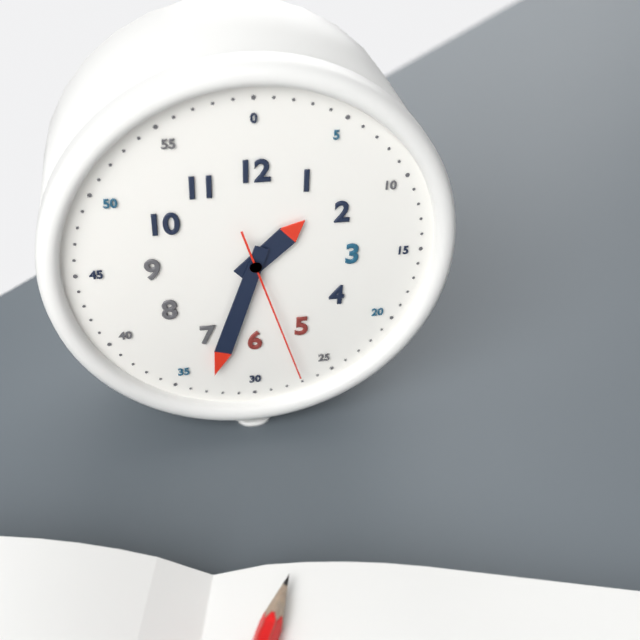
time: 1:33:27
